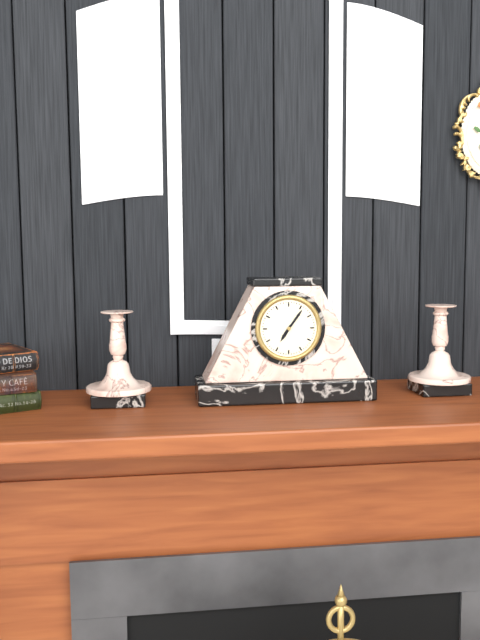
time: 7:06
